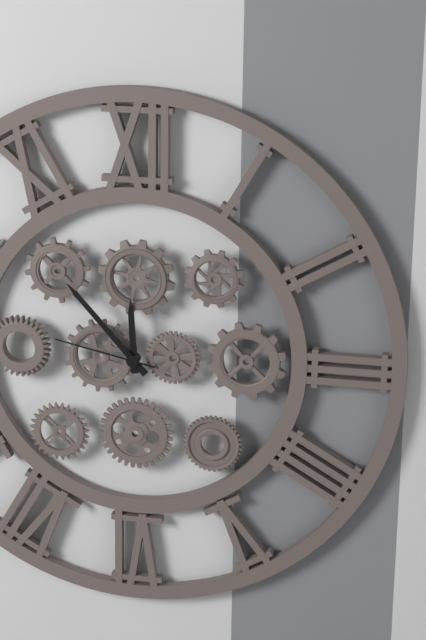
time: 11:53:47
